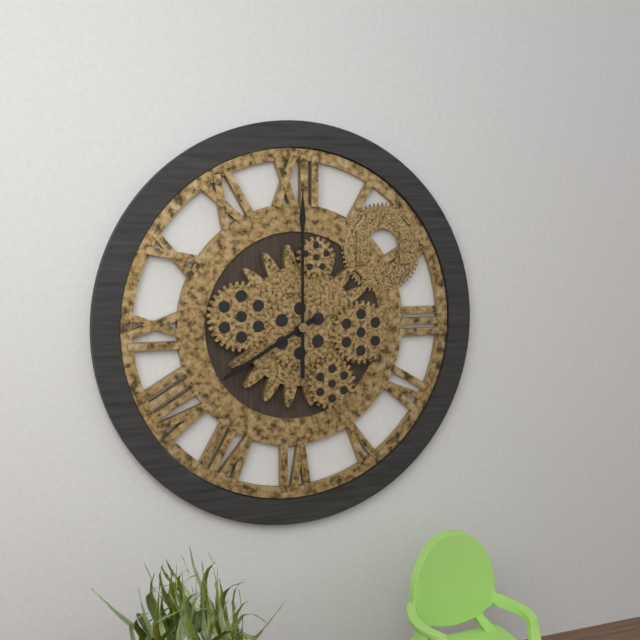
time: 8:00
